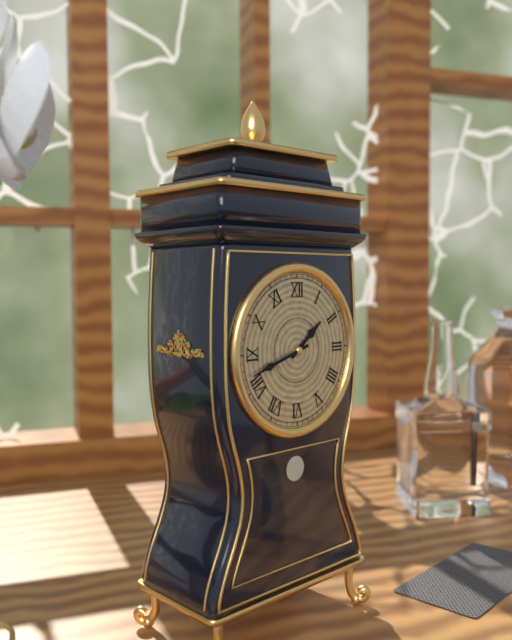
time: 1:42
